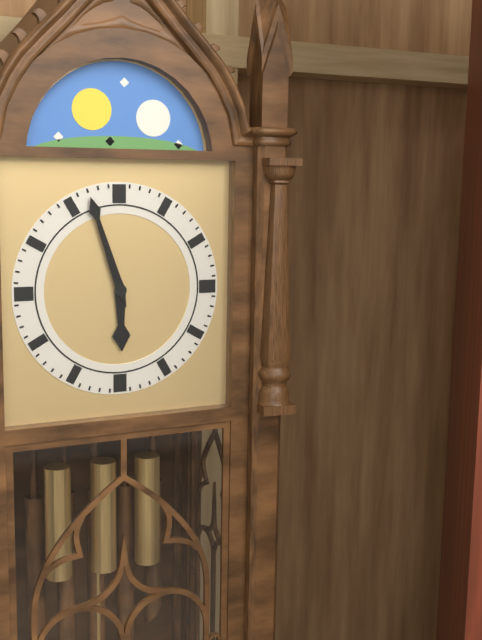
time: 5:57
